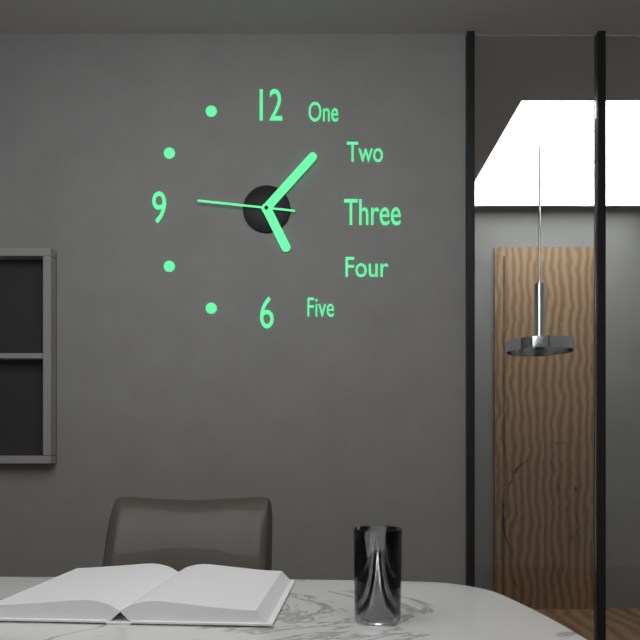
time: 5:07:46
